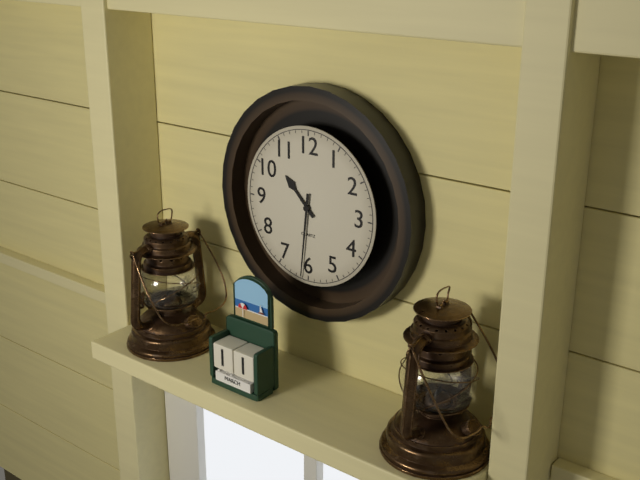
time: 10:31
